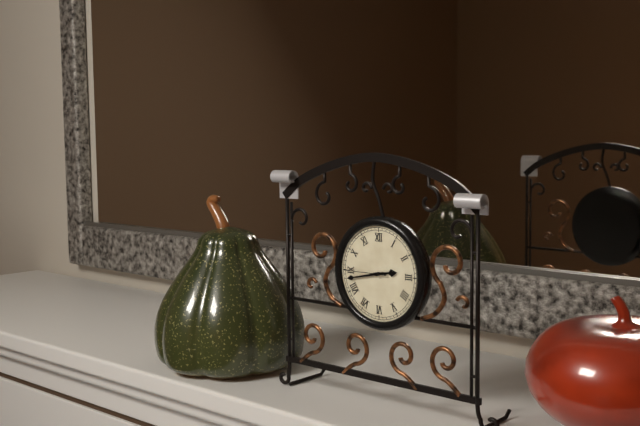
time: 2:43
